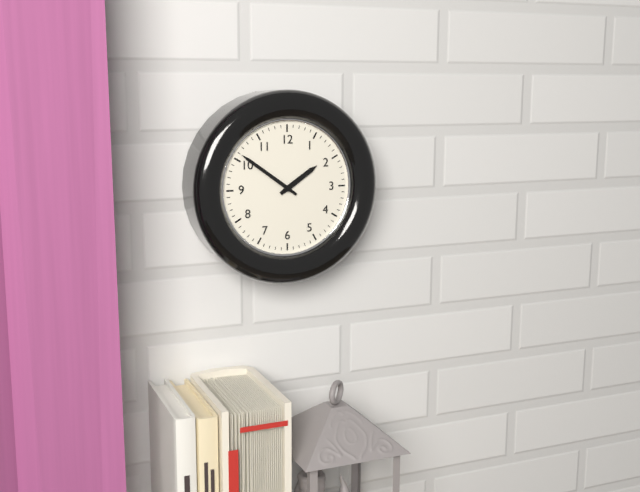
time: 1:51
